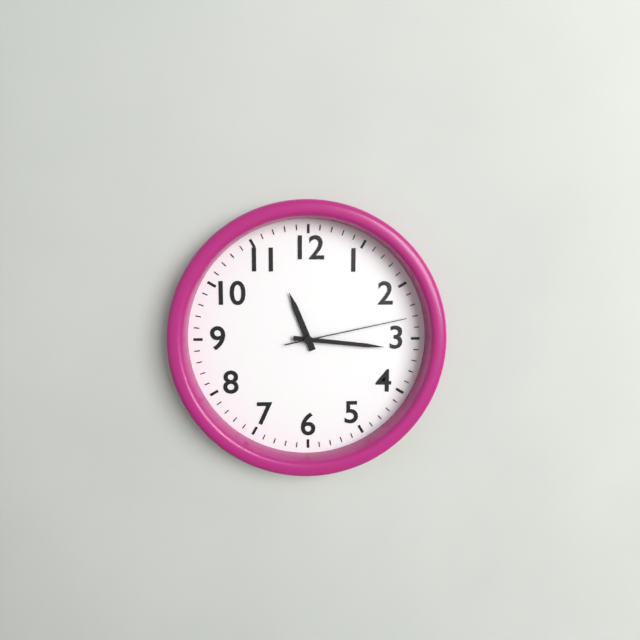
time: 11:16:13
